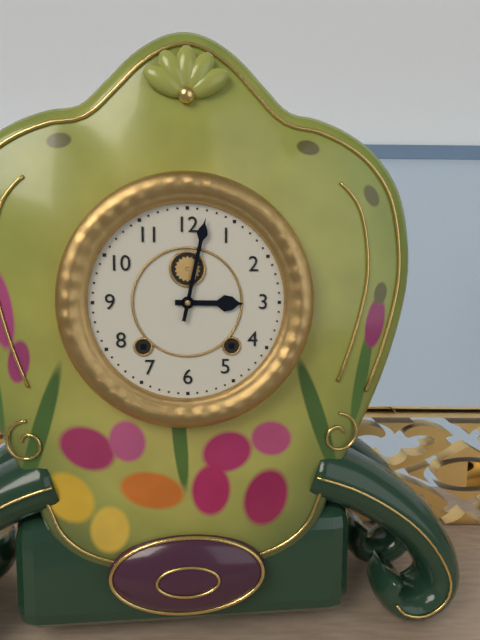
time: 3:02
